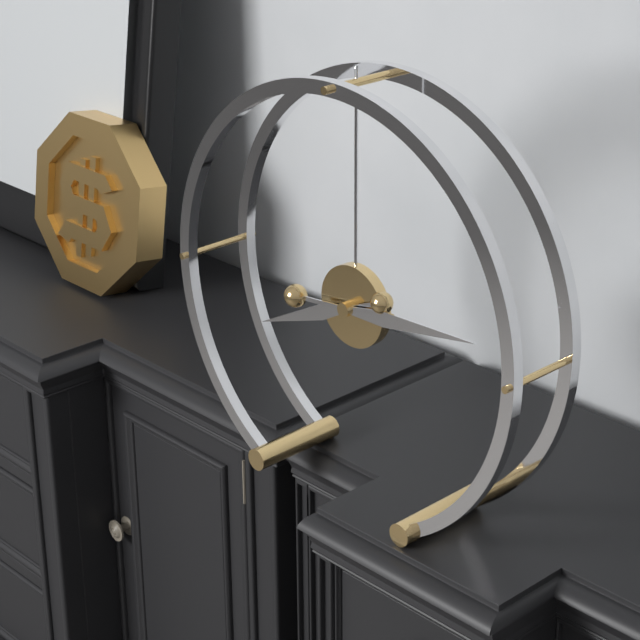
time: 8:14
